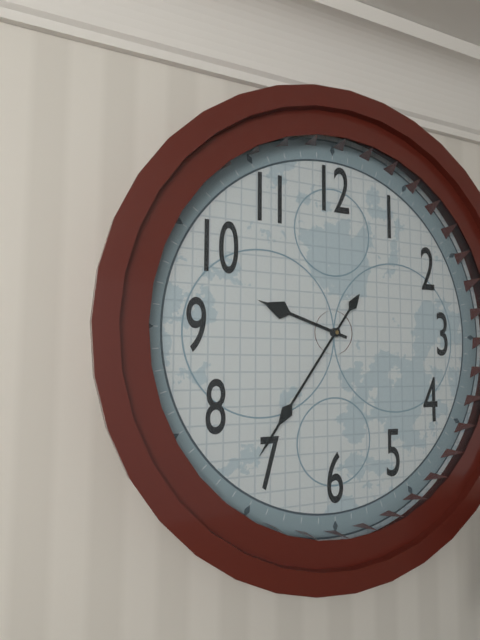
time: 9:36
